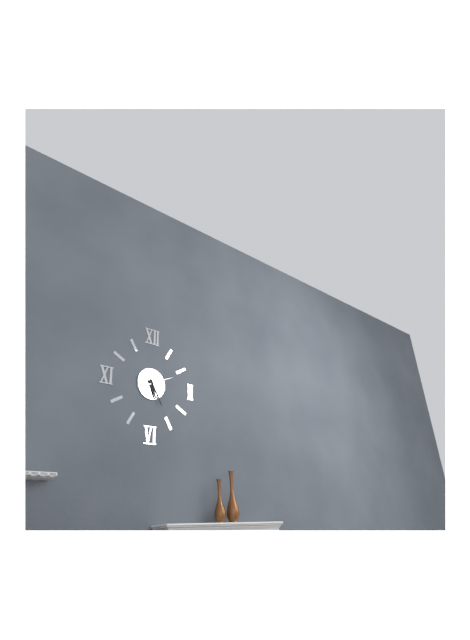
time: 5:25
